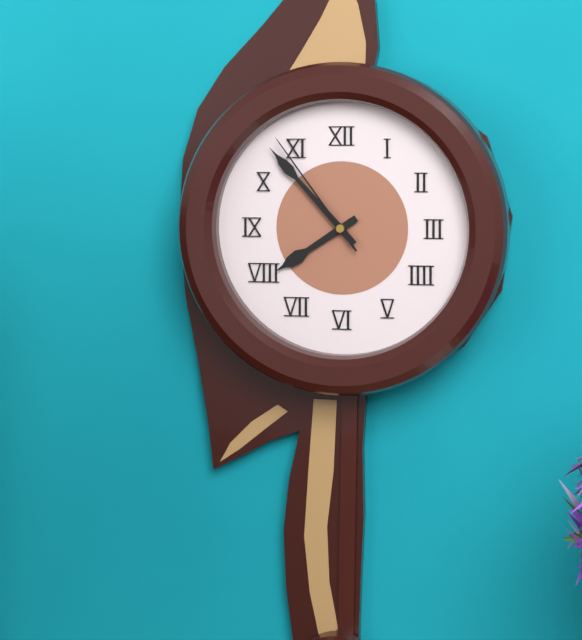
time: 7:53:54
